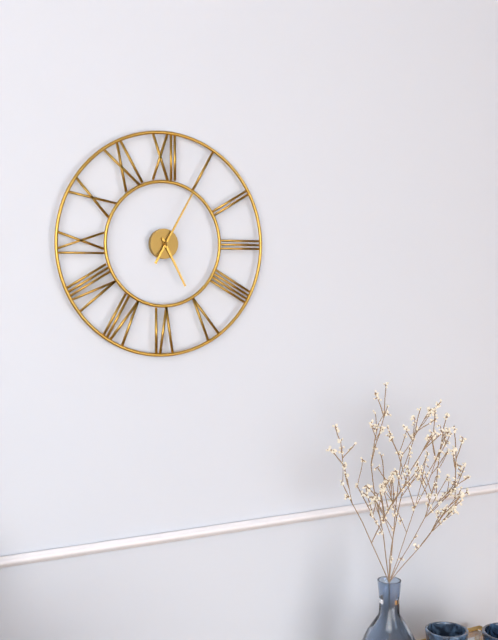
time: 5:05
